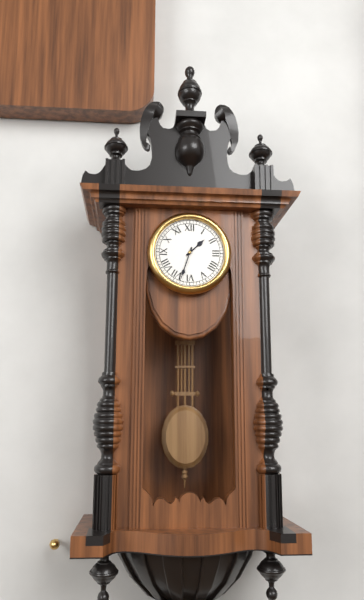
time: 1:33
